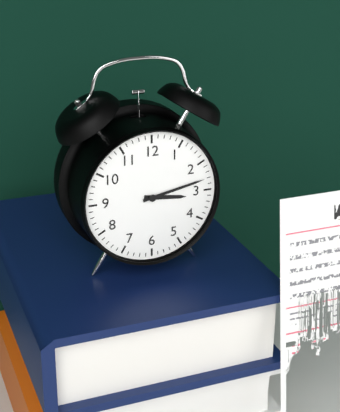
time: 3:13
